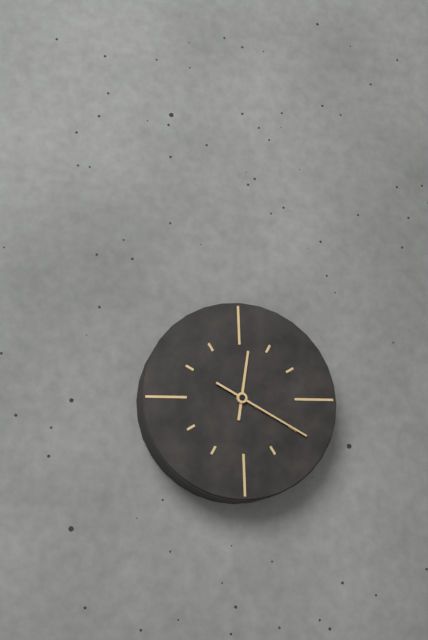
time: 12:20
